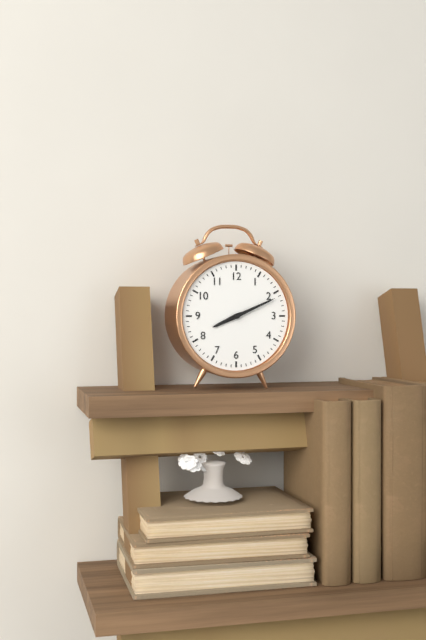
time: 8:11
